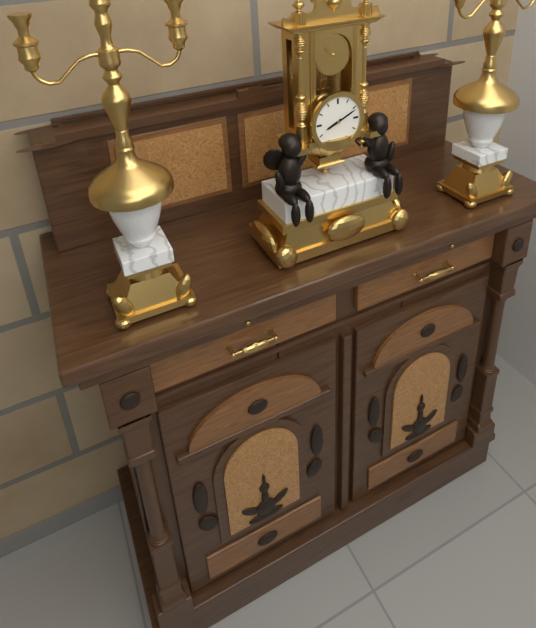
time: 8:11
